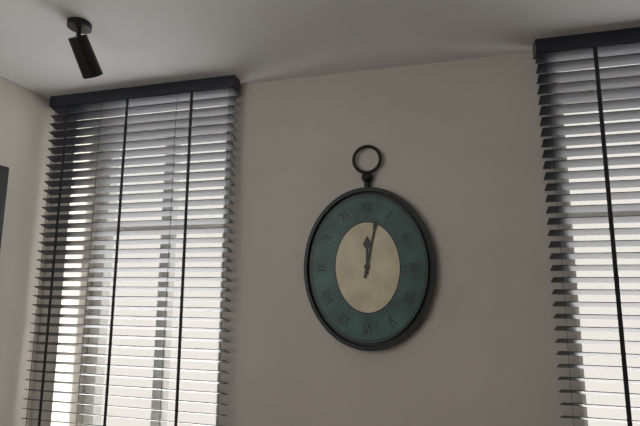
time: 12:02
